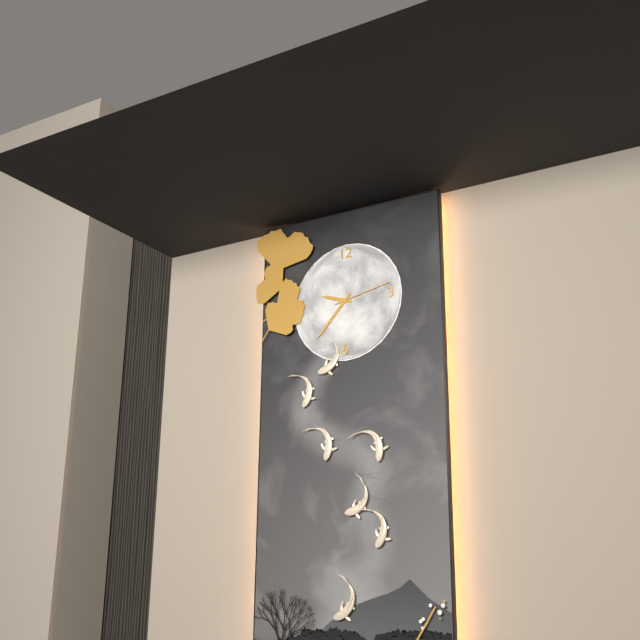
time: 9:37:13
